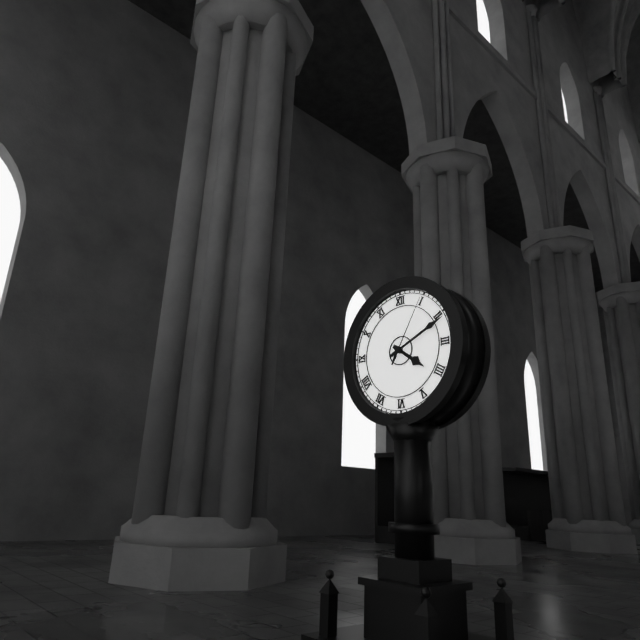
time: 4:11:05
